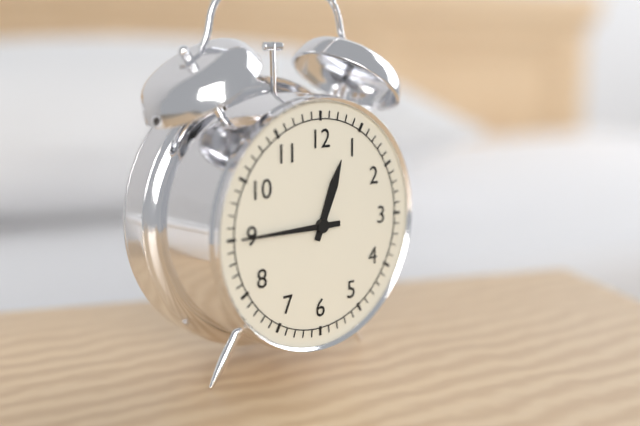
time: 12:45
